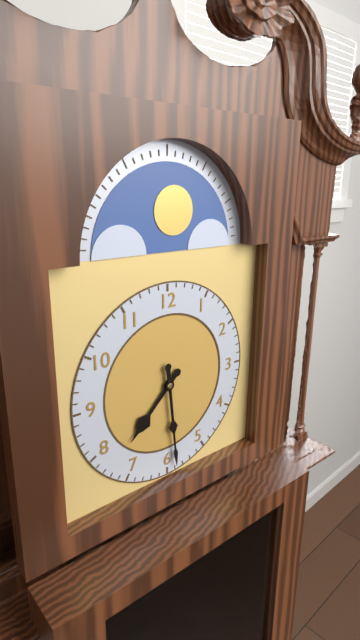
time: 7:29
